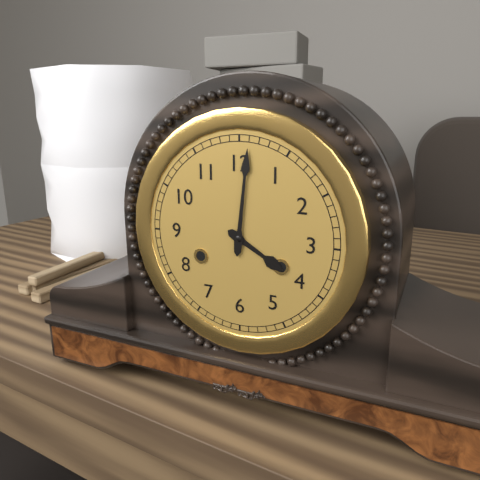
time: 4:01
